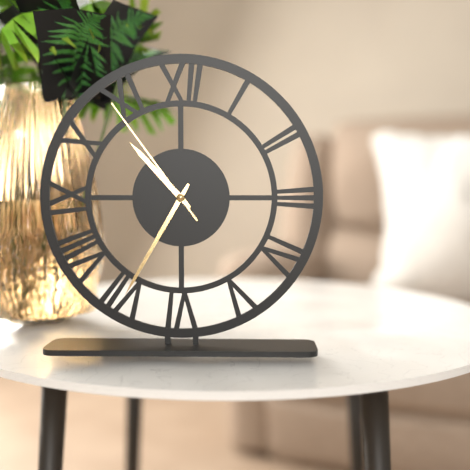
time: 10:35:54
